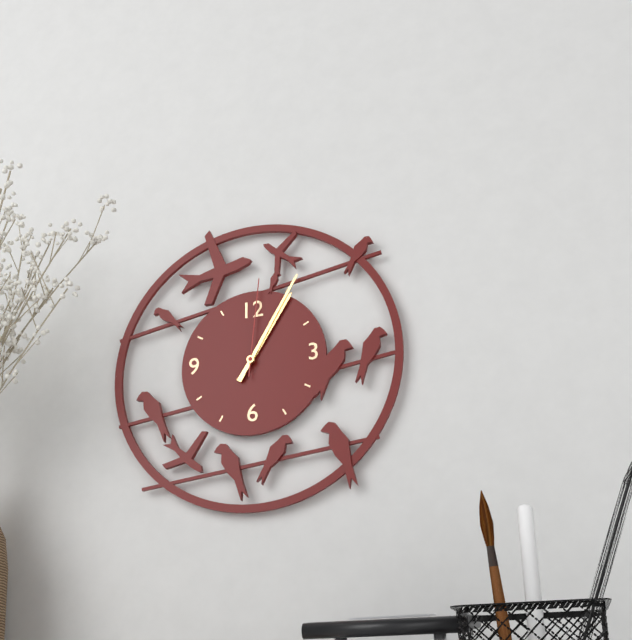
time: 1:05:01
